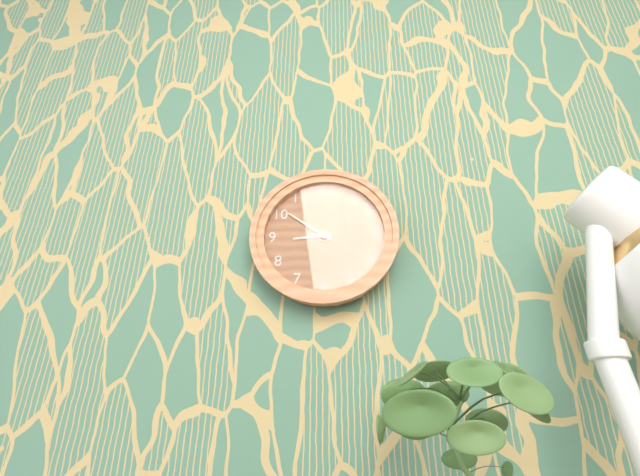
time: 8:51
